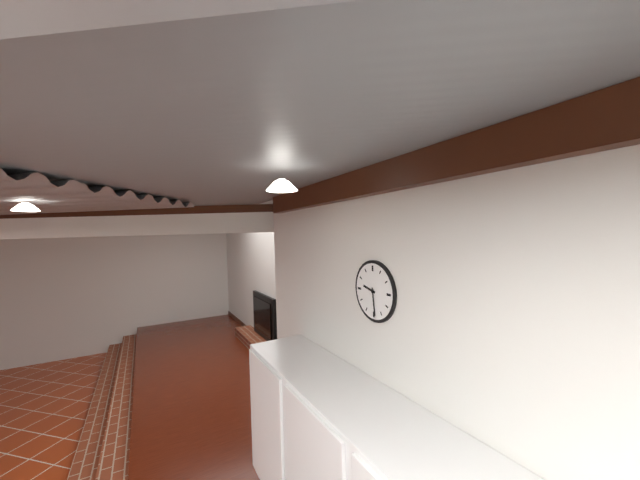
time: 9:29
